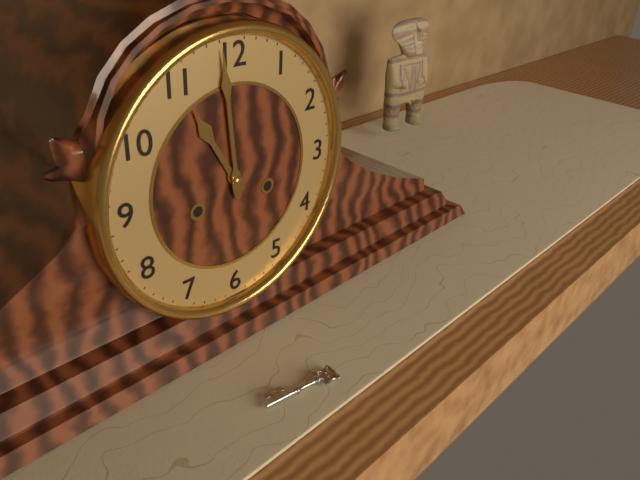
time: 10:59
